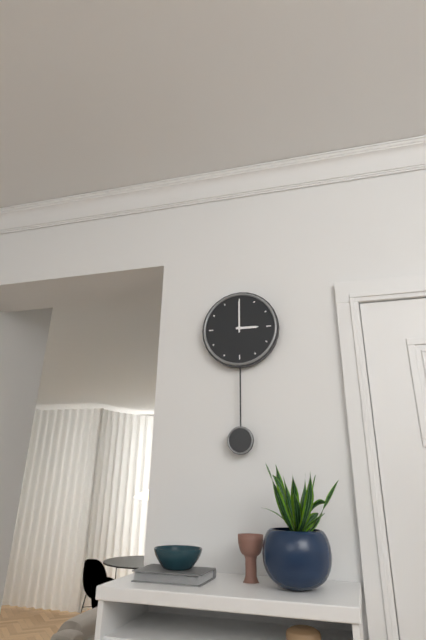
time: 3:00
